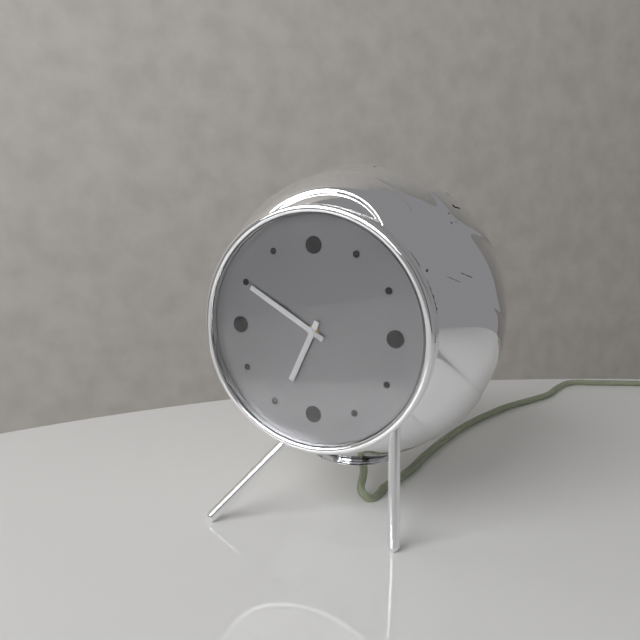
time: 6:50
